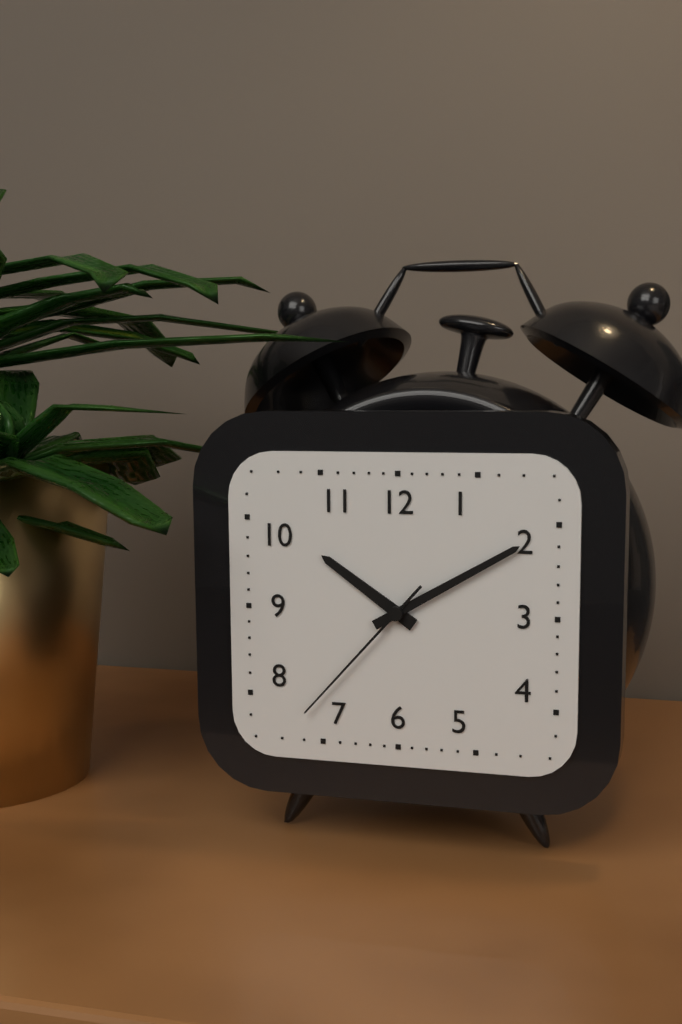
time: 10:10:37
